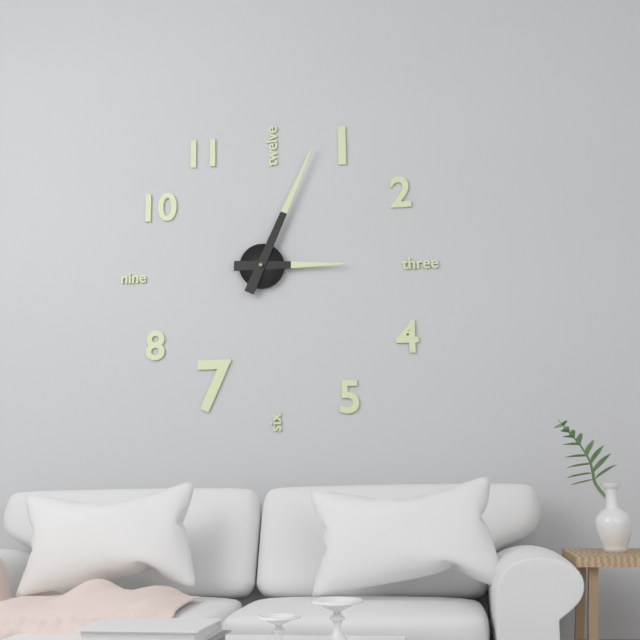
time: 3:04
